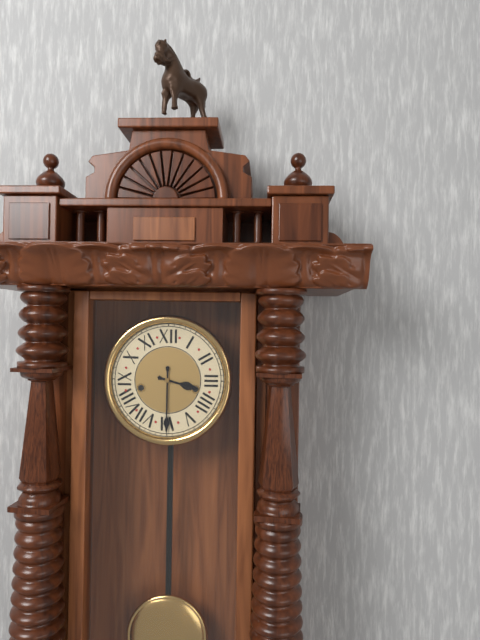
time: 3:30
